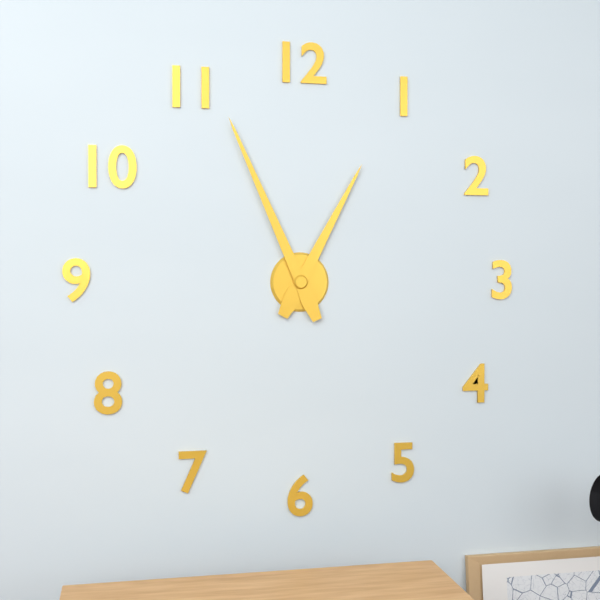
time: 12:56
